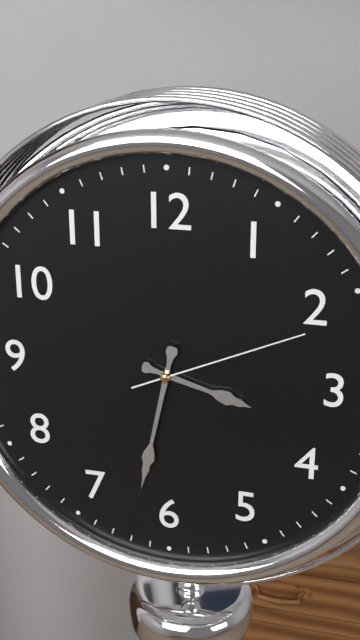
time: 3:32:11
